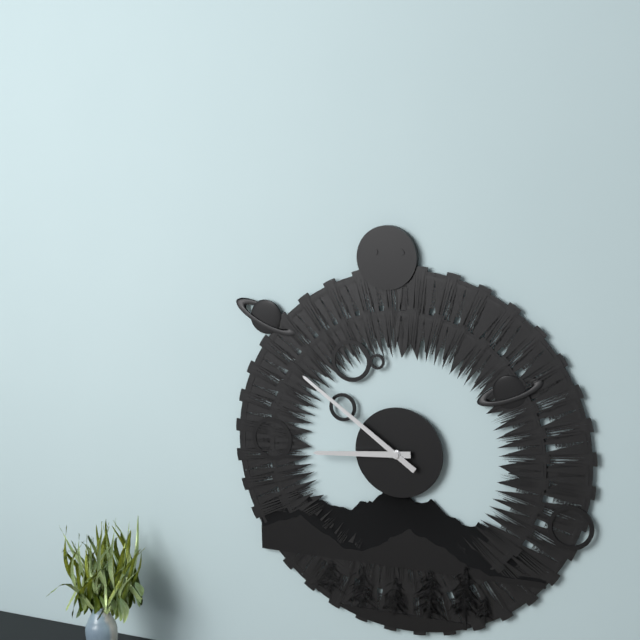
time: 8:51
